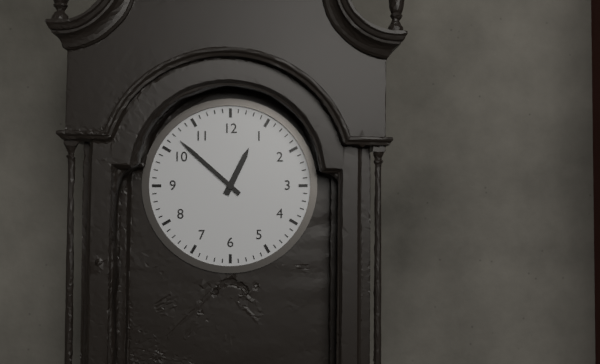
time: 12:52
